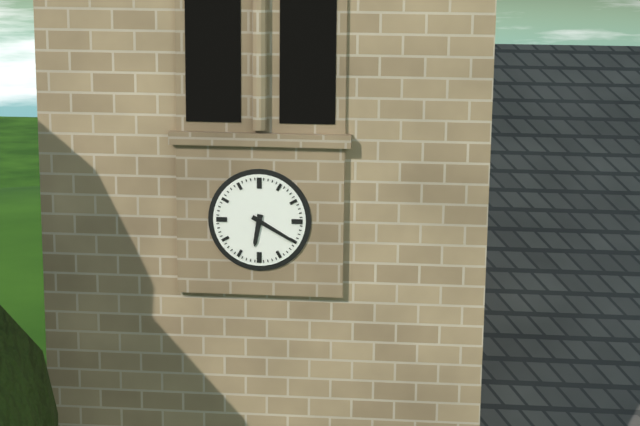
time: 6:20
